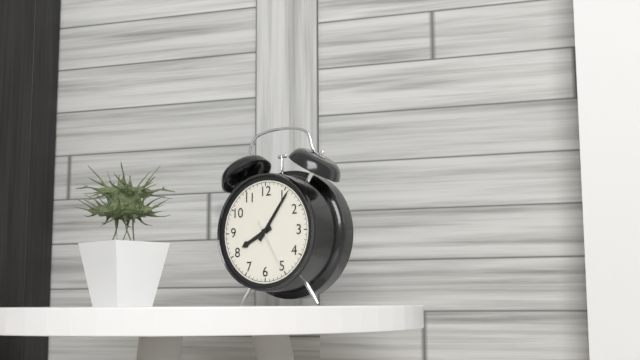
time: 8:06:25
